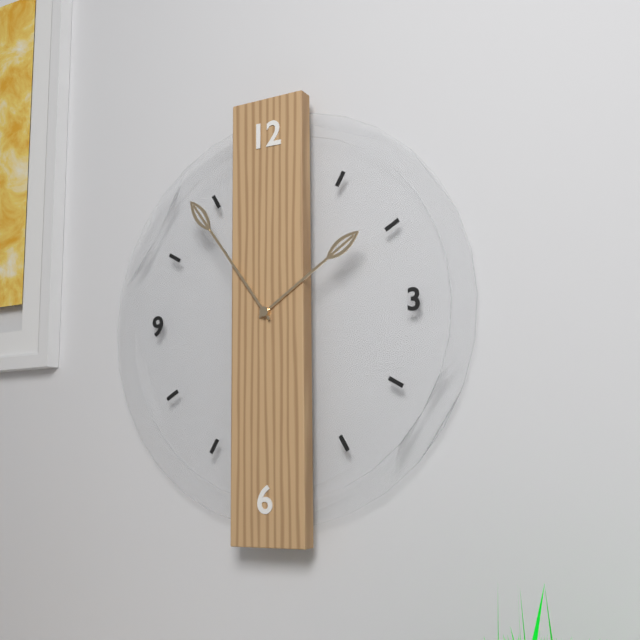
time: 1:54
